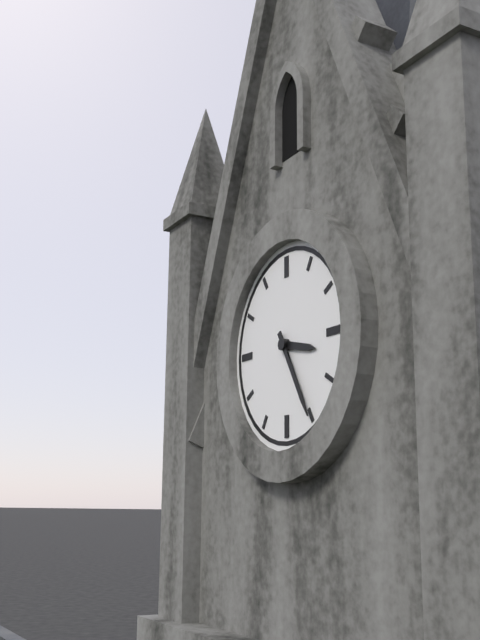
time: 3:25
